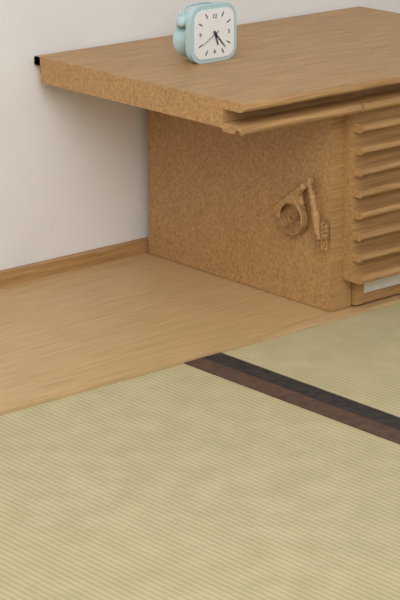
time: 5:23
